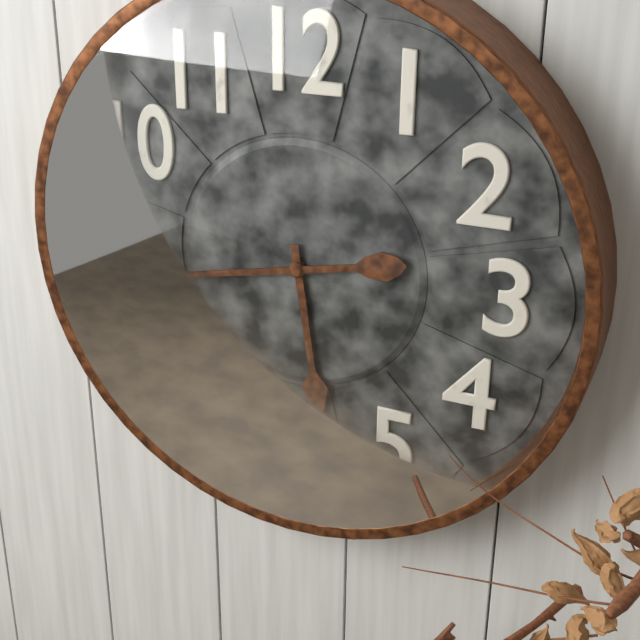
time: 5:43
